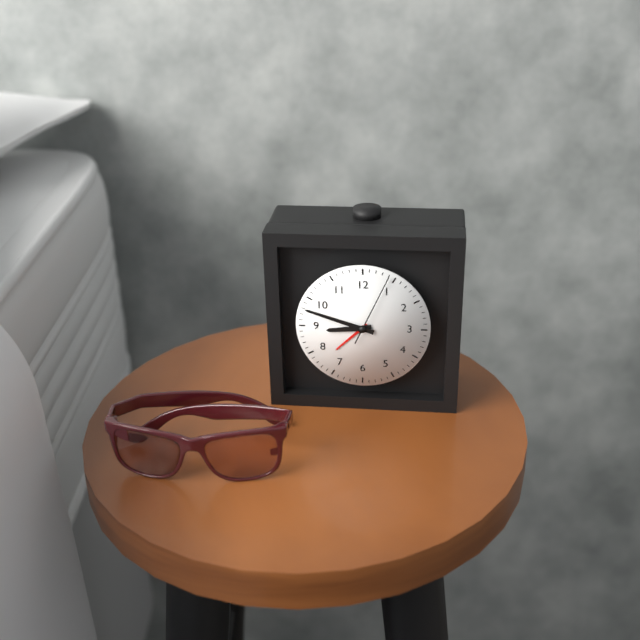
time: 8:48:04
